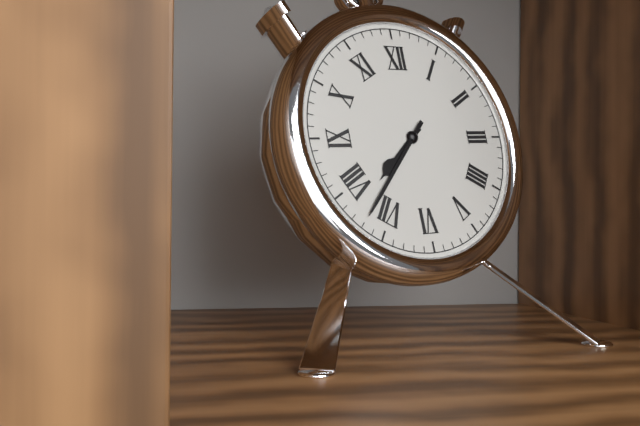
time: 7:37
